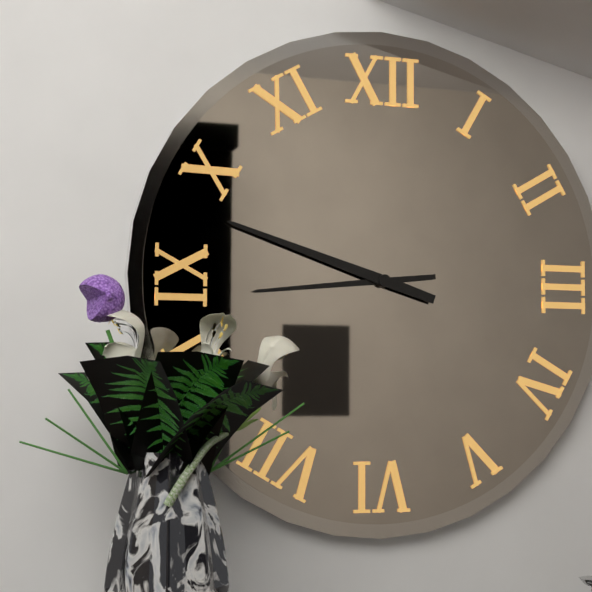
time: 8:48
